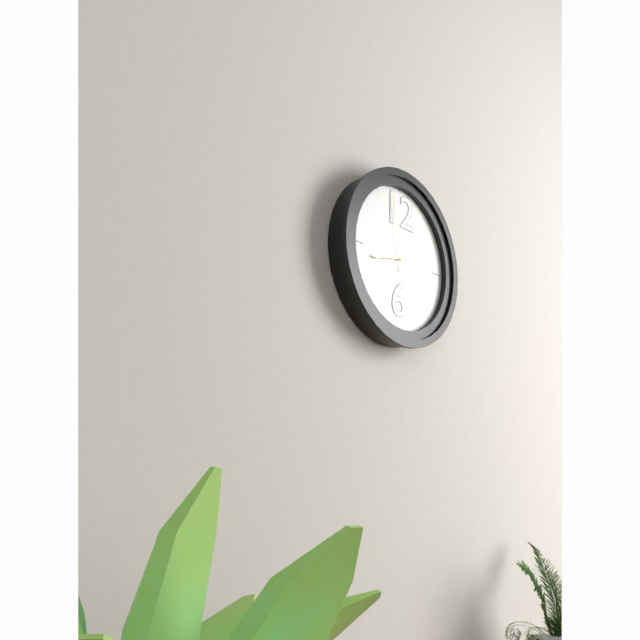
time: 8:43:58
